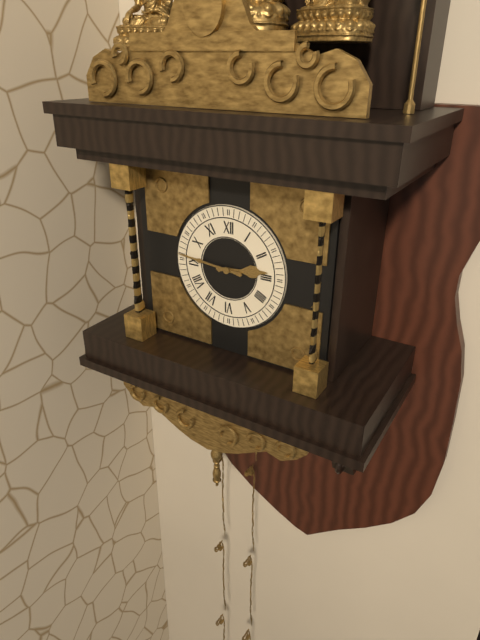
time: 2:46
